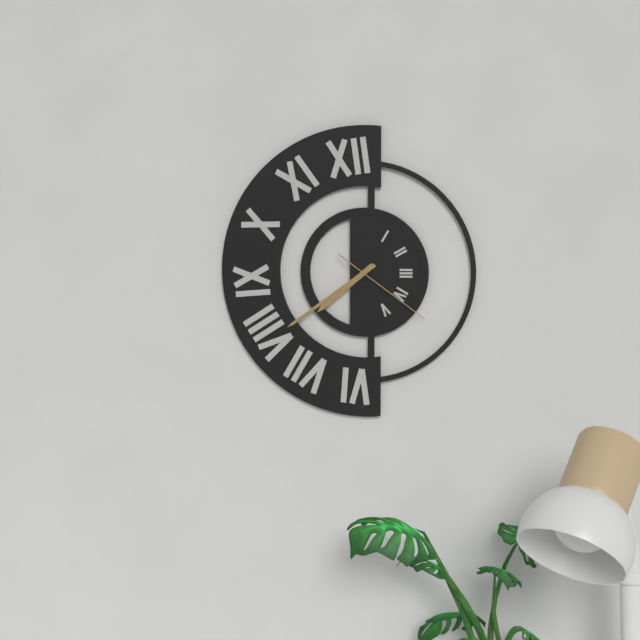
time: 7:39:21
